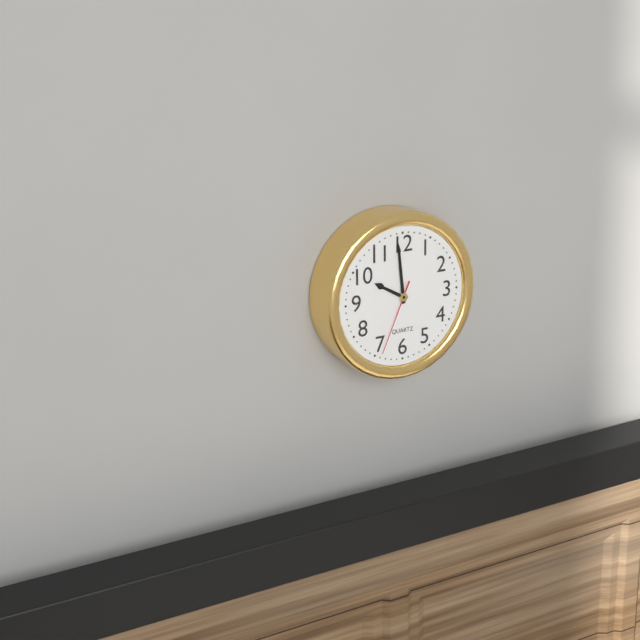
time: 9:59:34
